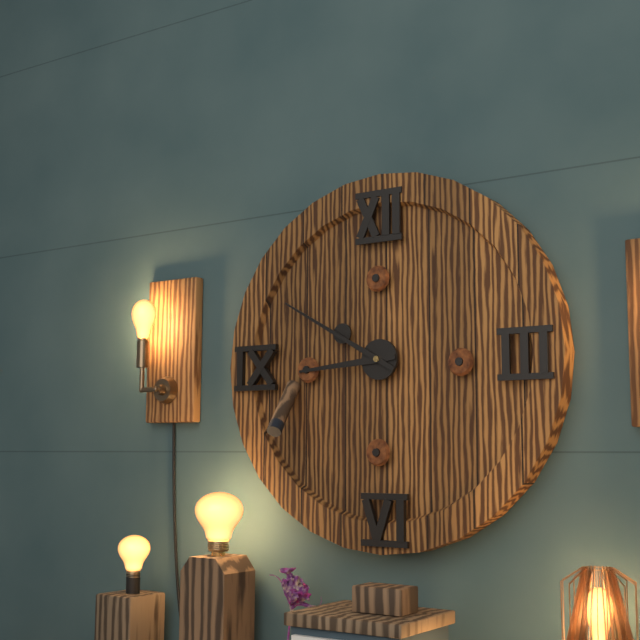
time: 8:50
